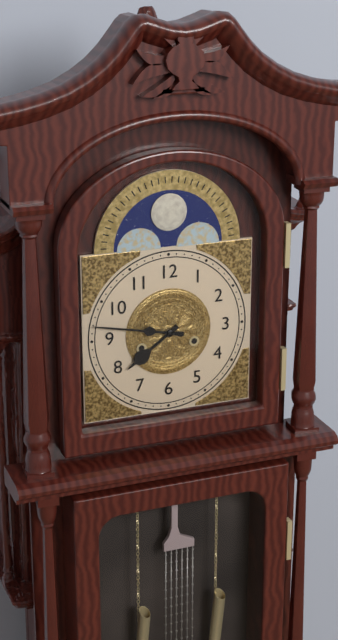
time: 7:47
